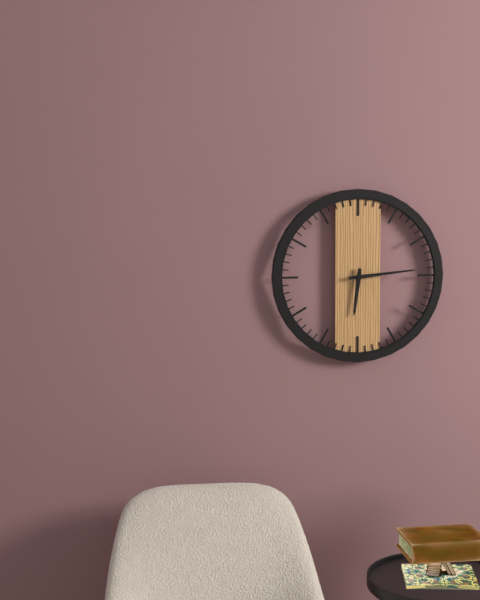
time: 6:14
